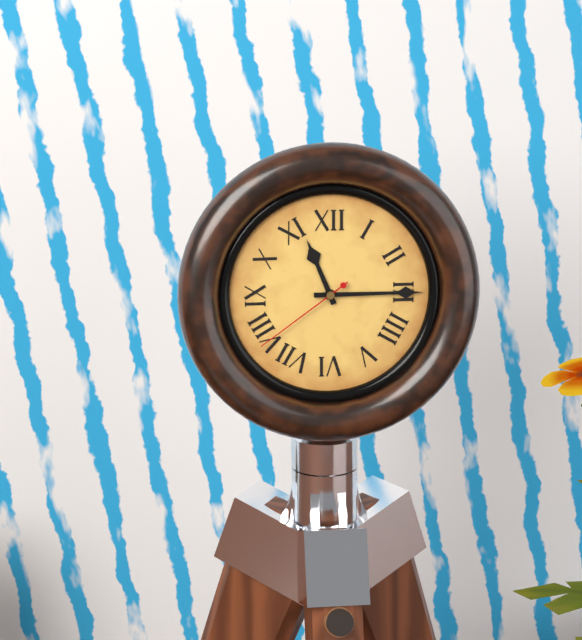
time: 11:15:39
